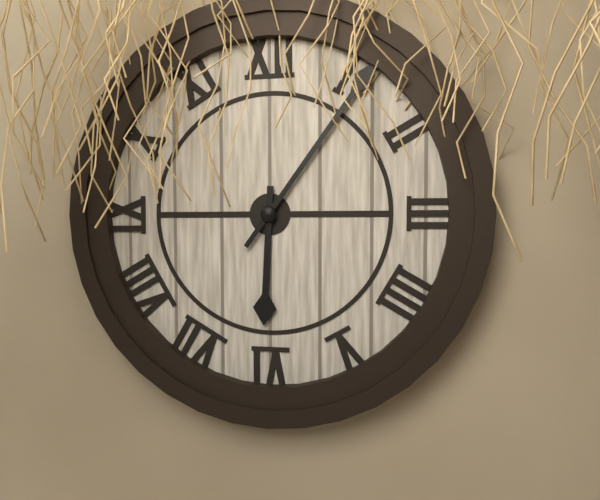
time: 6:06
